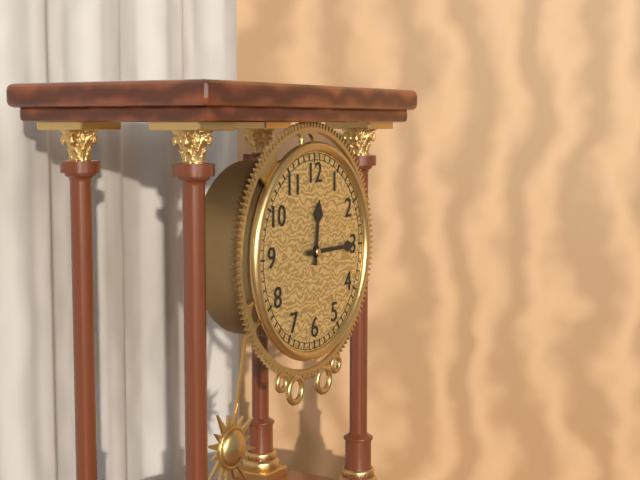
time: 12:15
